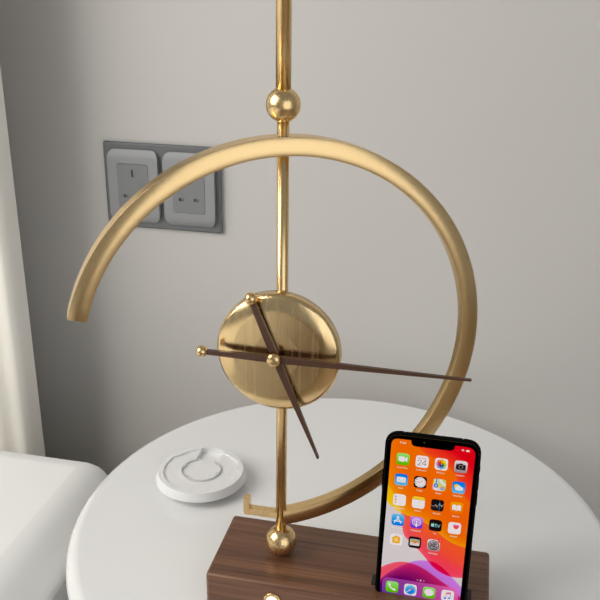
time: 5:15
